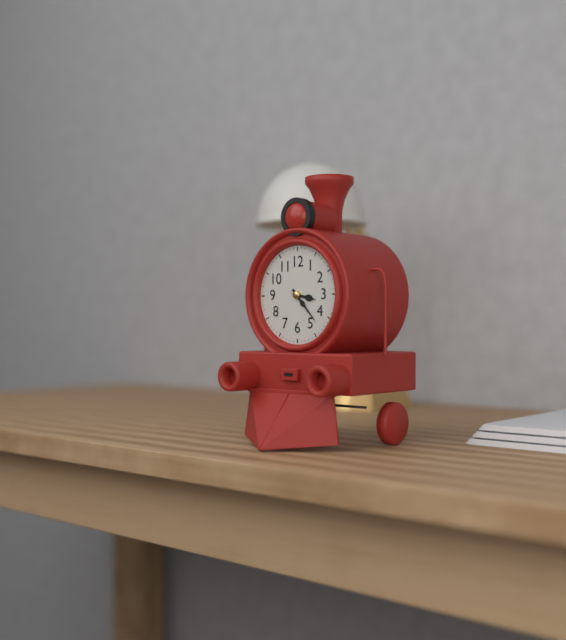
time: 3:23
